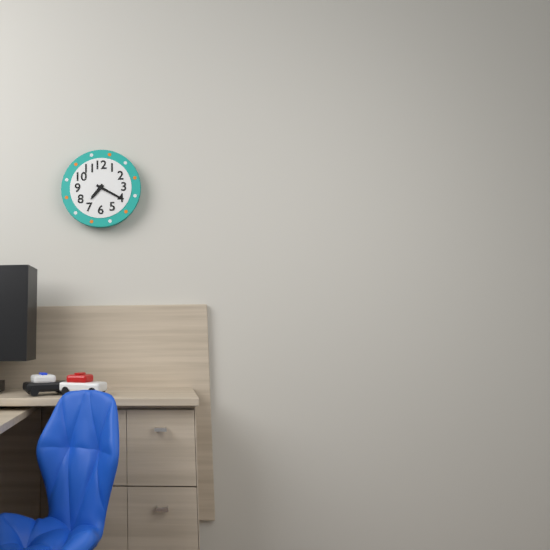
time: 7:20
